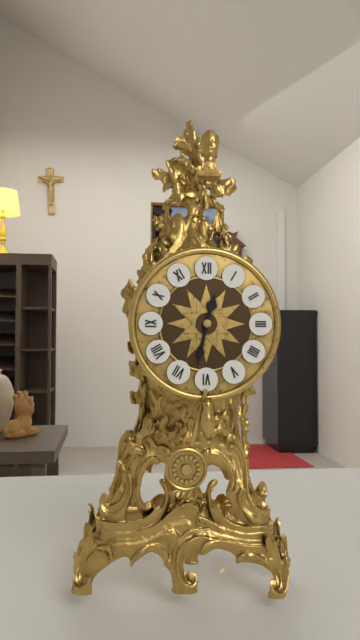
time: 12:32
